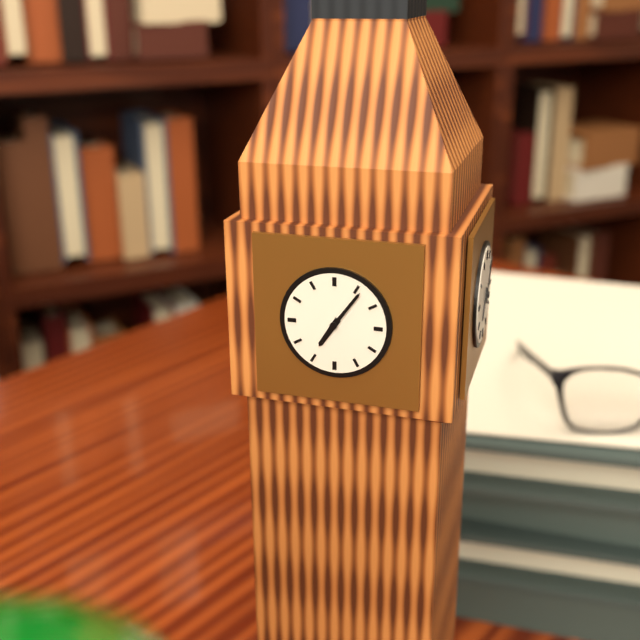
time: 7:06
